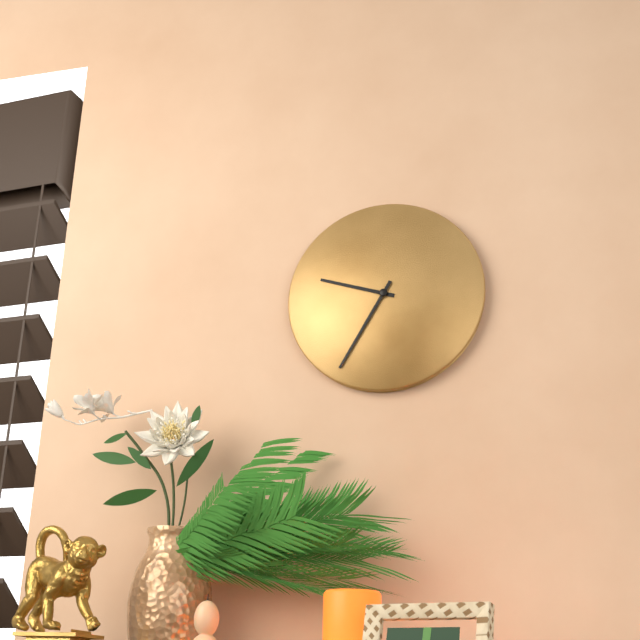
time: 9:35
